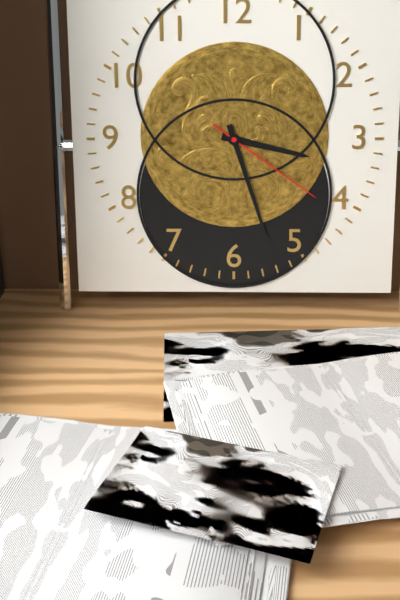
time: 3:27:21
